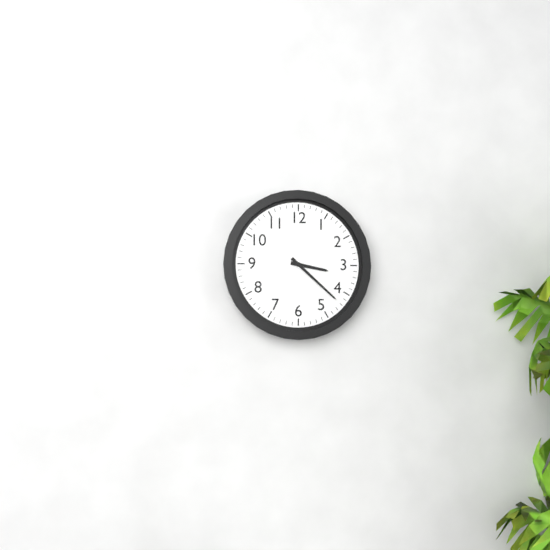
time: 3:22
